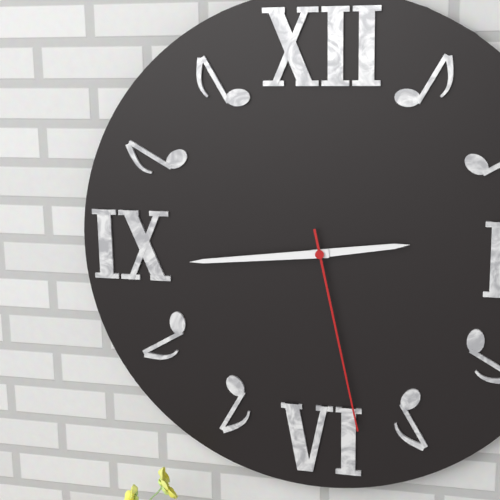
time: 2:44:28
